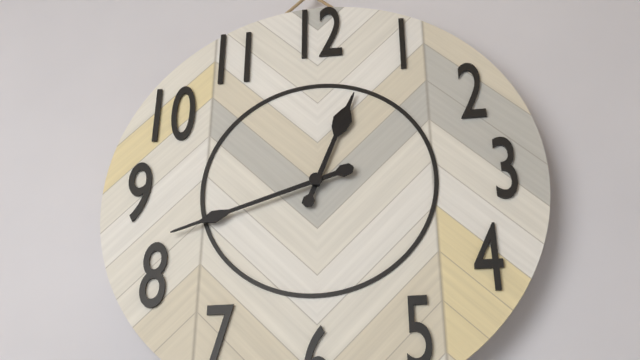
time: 12:42
